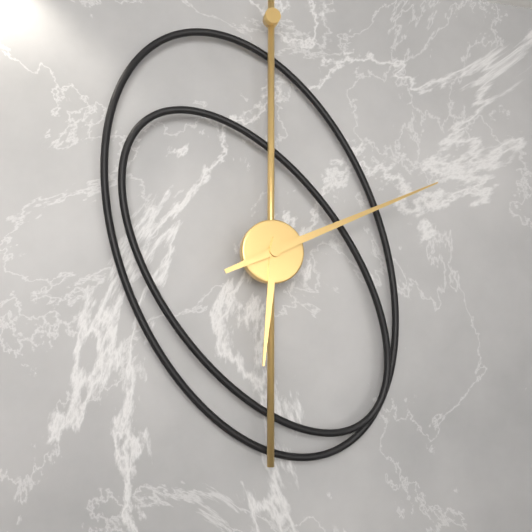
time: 6:11
